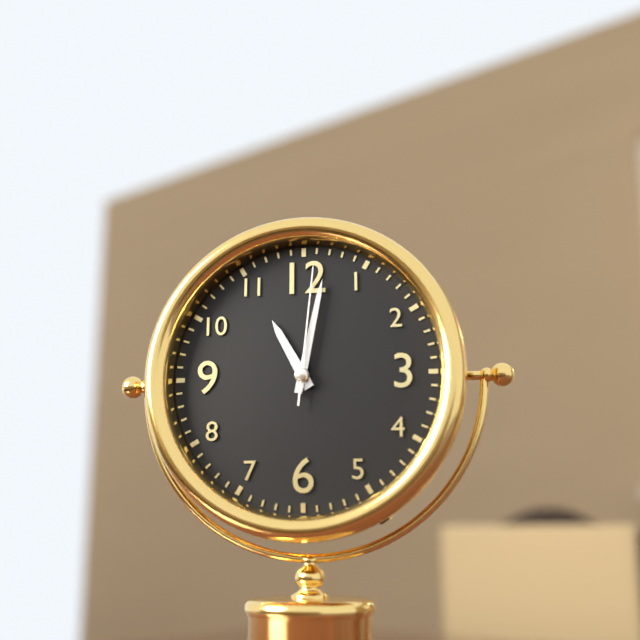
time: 11:02:01
